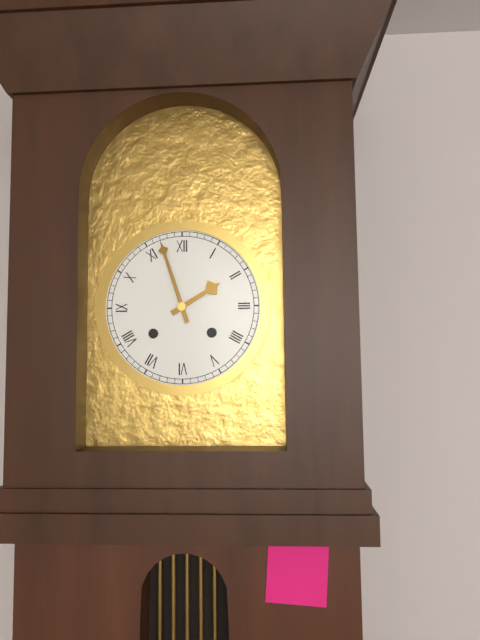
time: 1:57
